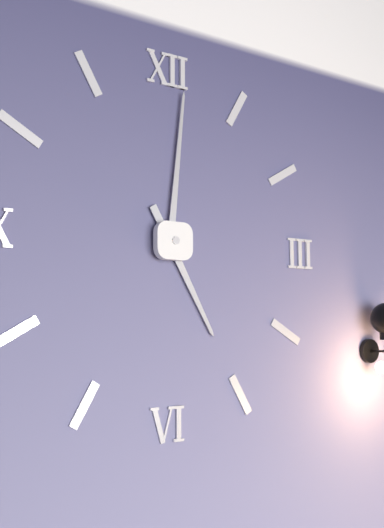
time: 5:01
